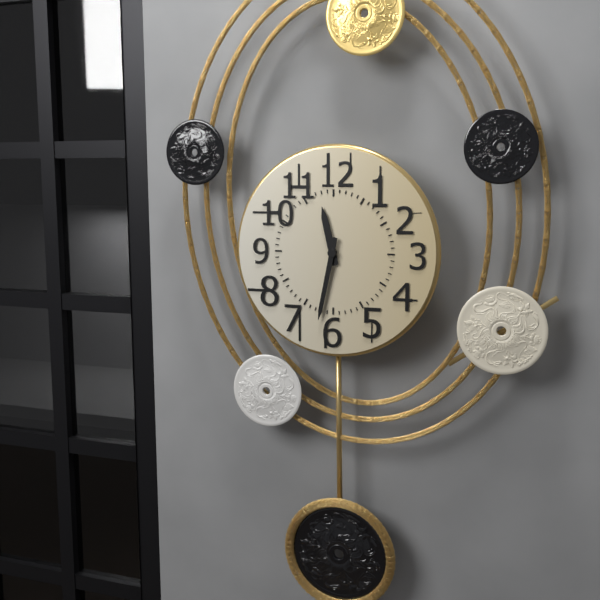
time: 11:32
